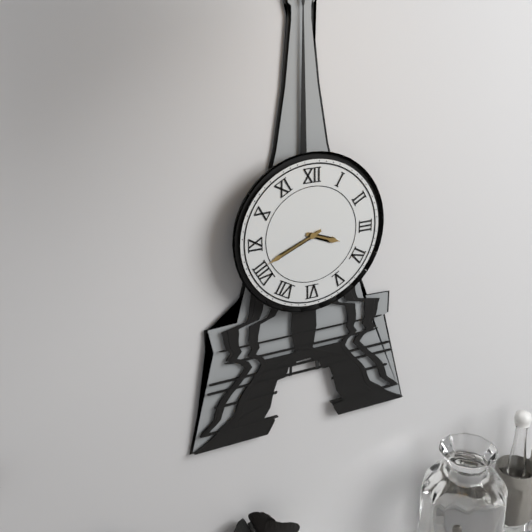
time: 3:41
